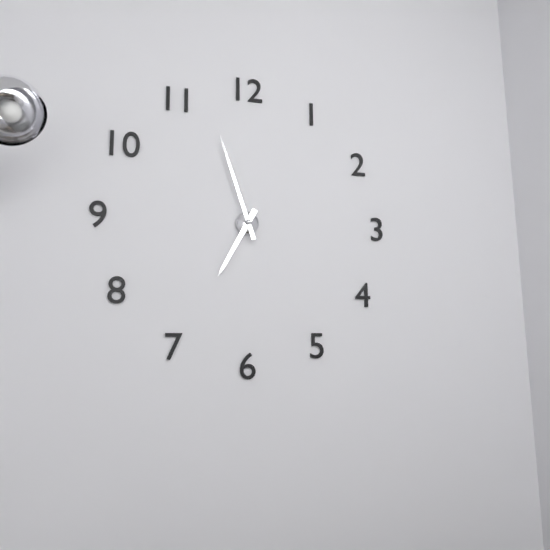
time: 6:57
